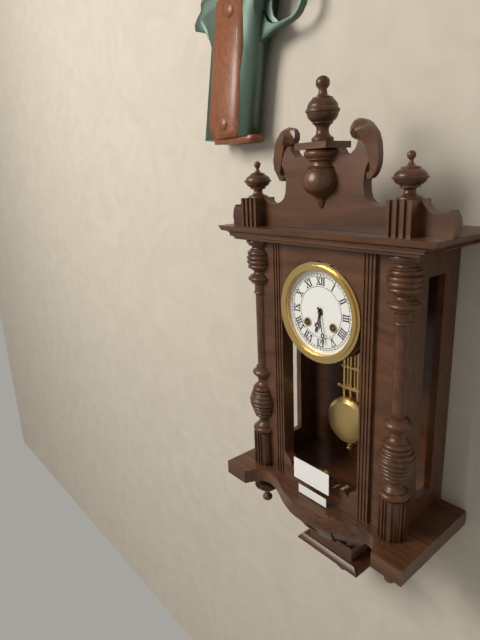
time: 6:28
